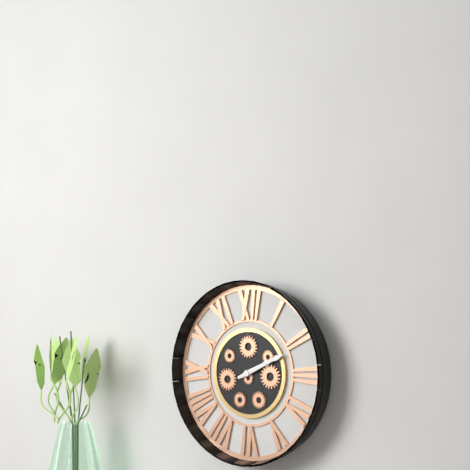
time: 2:11
